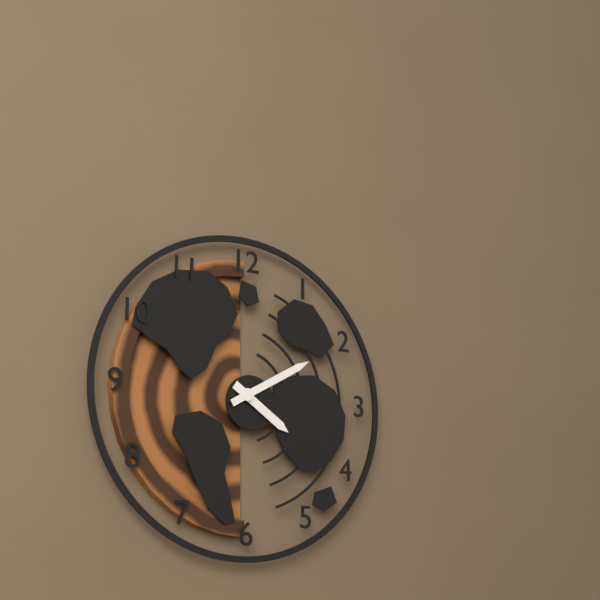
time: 4:10
